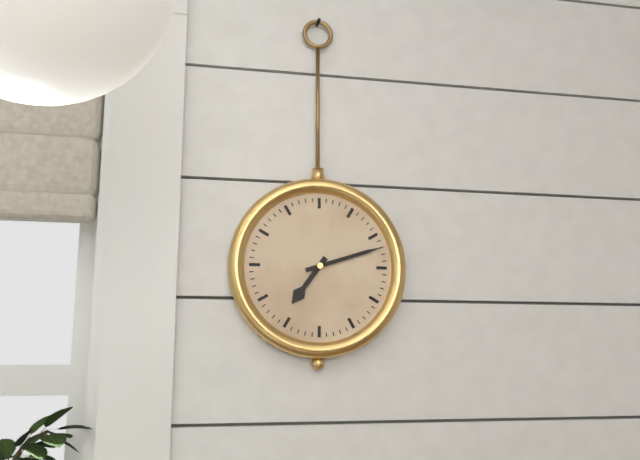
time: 7:12
